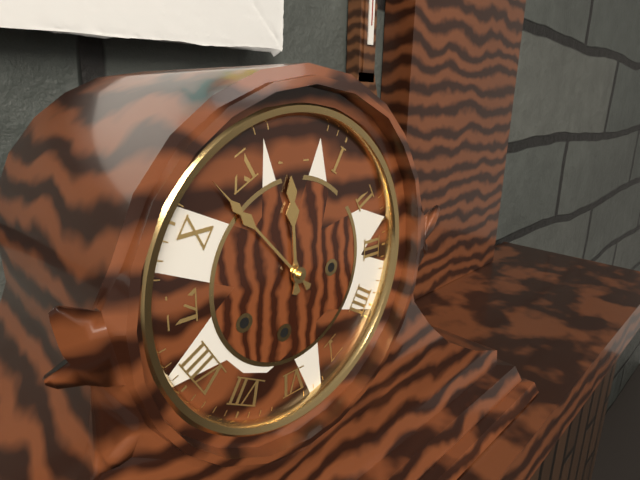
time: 11:53
